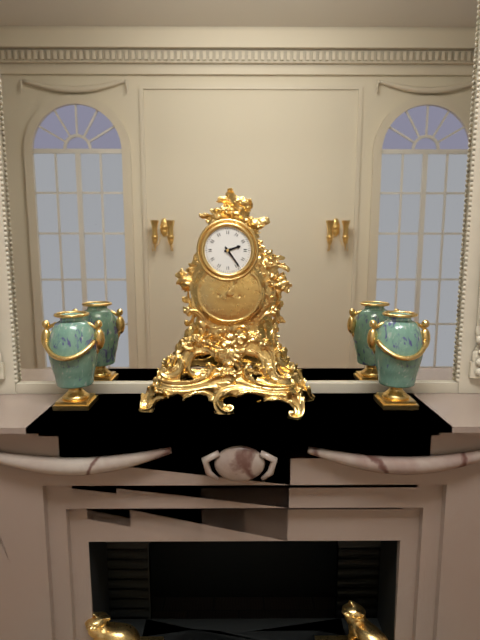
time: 2:24
